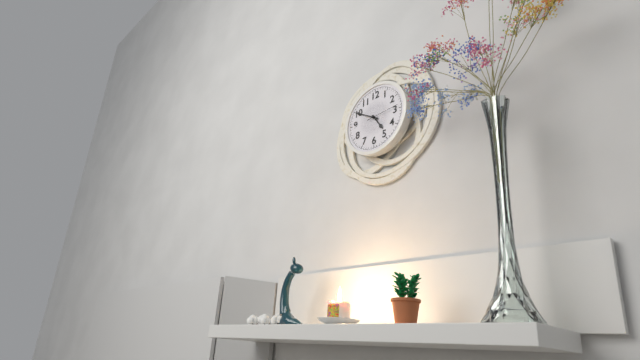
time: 4:50
